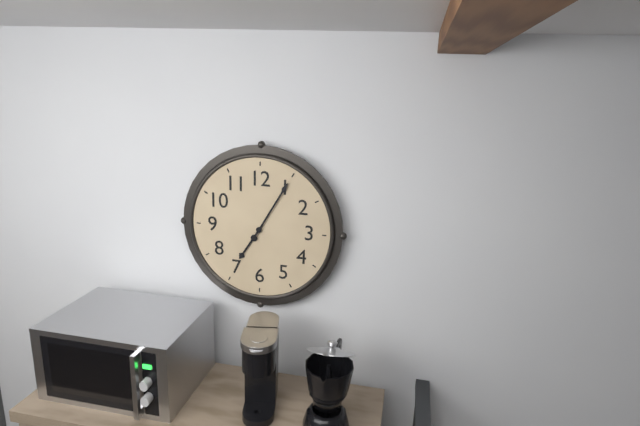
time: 7:05
